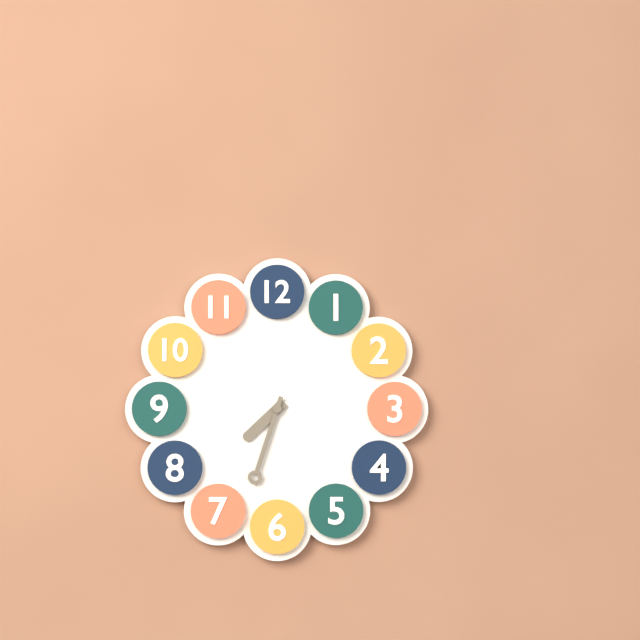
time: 7:33
